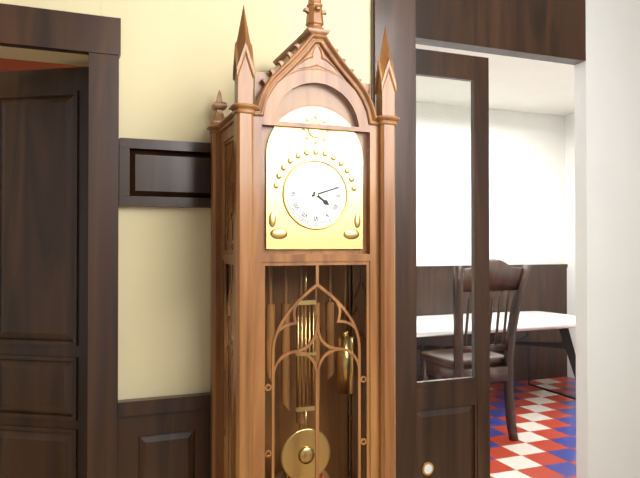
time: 4:12
